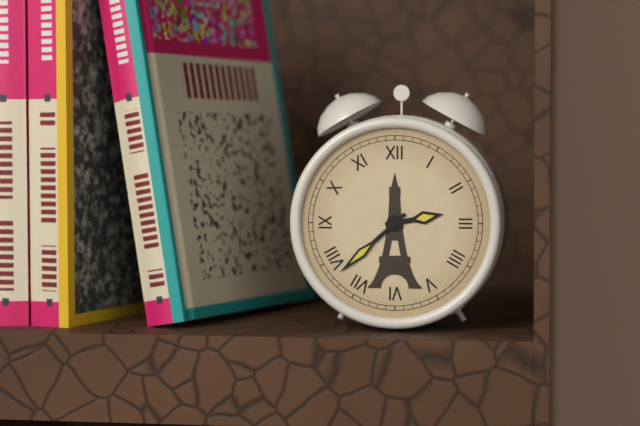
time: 2:38
